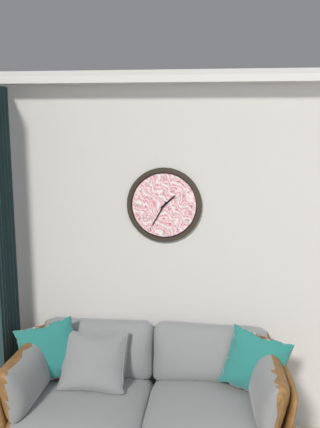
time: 1:35
